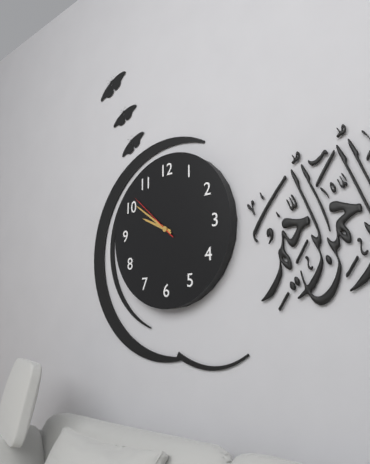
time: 9:51:52
